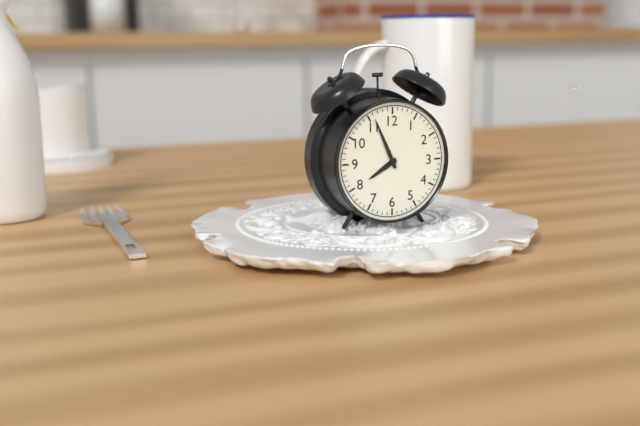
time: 7:56
